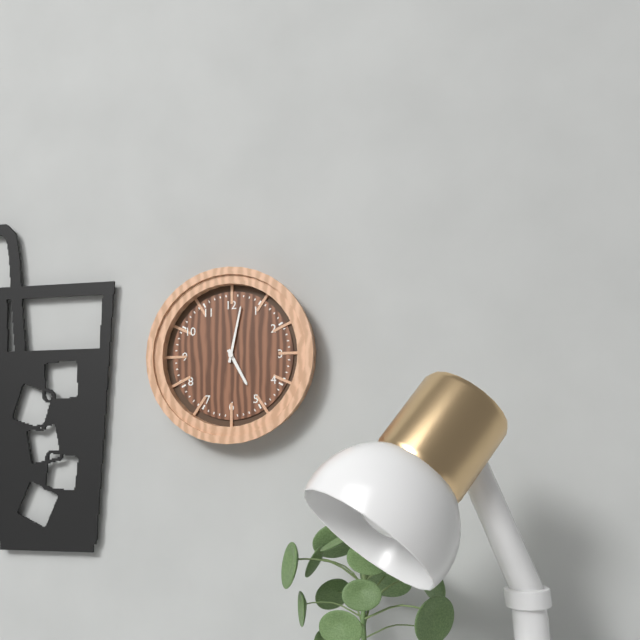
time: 5:02
